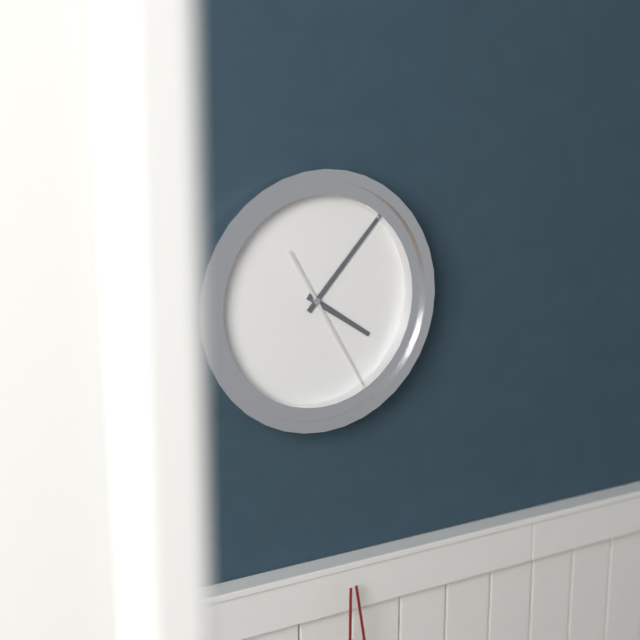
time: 4:07:25
